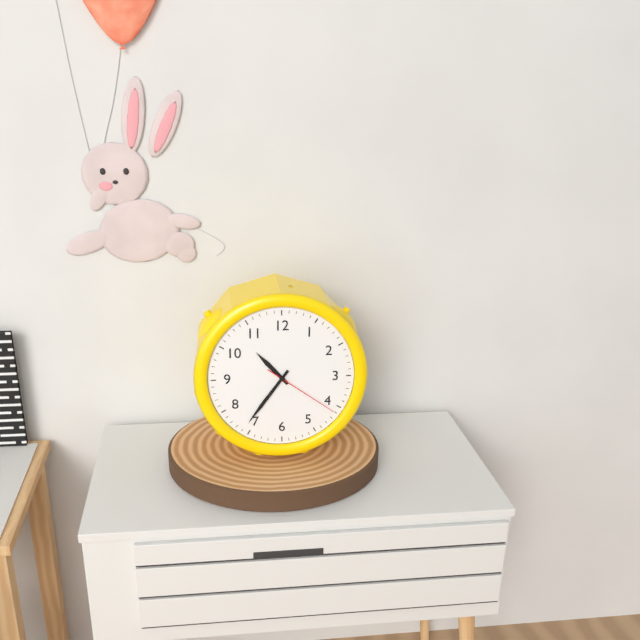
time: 10:36:21
